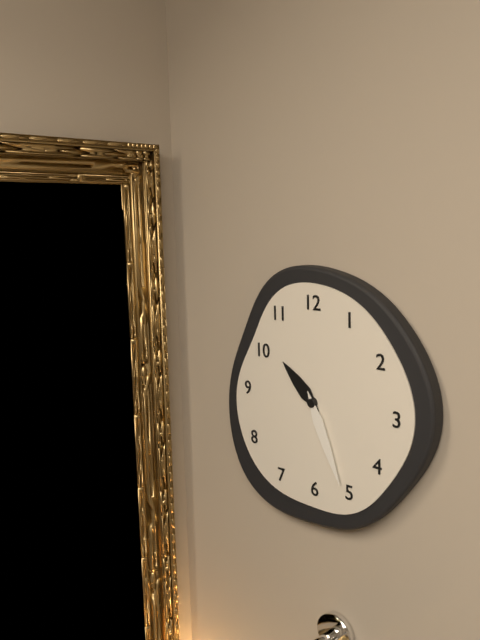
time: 10:26
